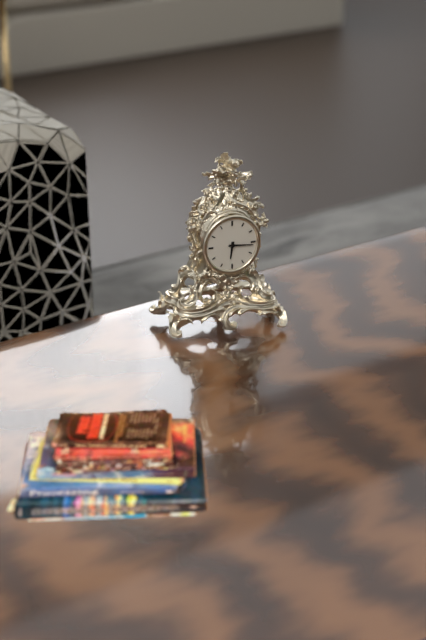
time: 6:16
